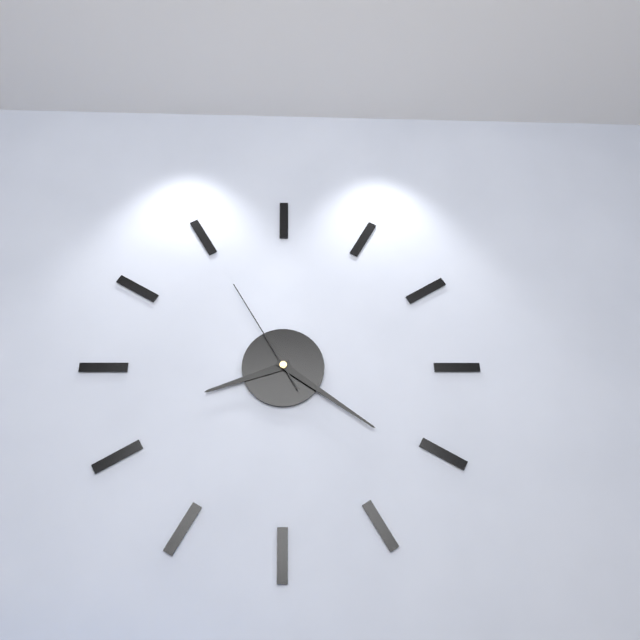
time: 8:21:55
